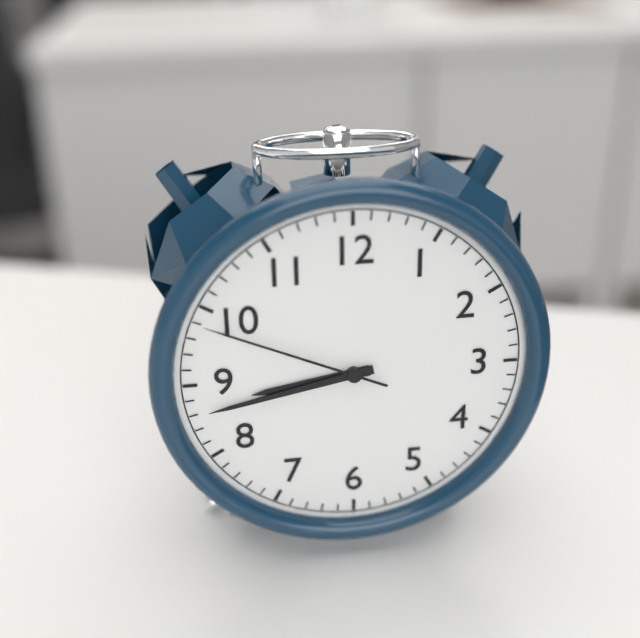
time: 8:43:49
